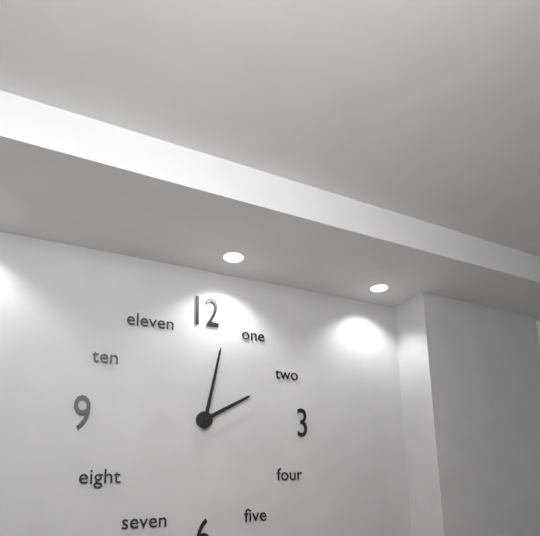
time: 2:02
